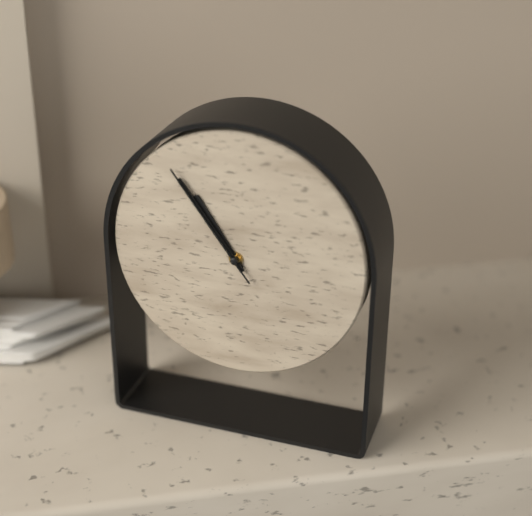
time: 10:54:54
